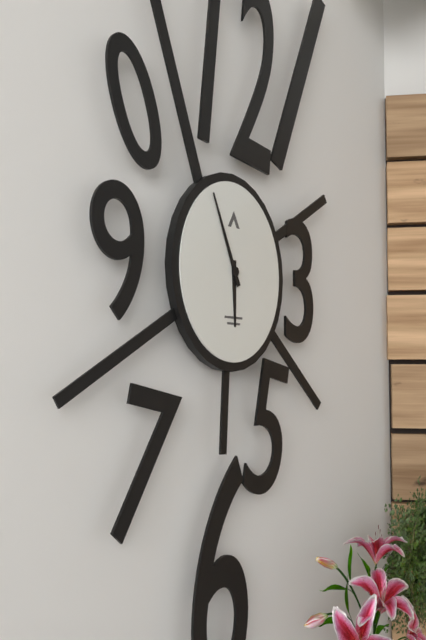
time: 5:56
